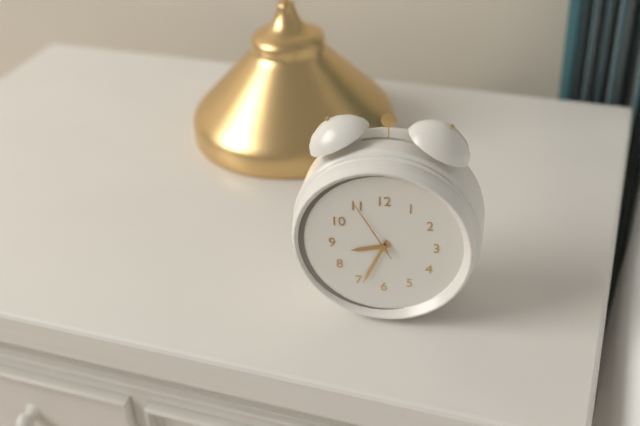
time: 8:34:55
